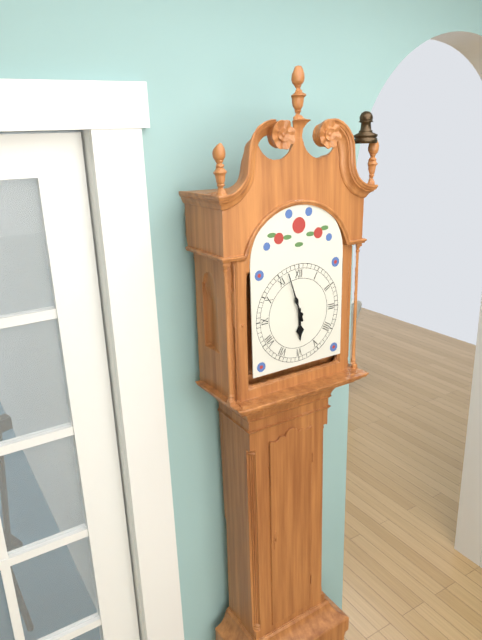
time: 5:57
